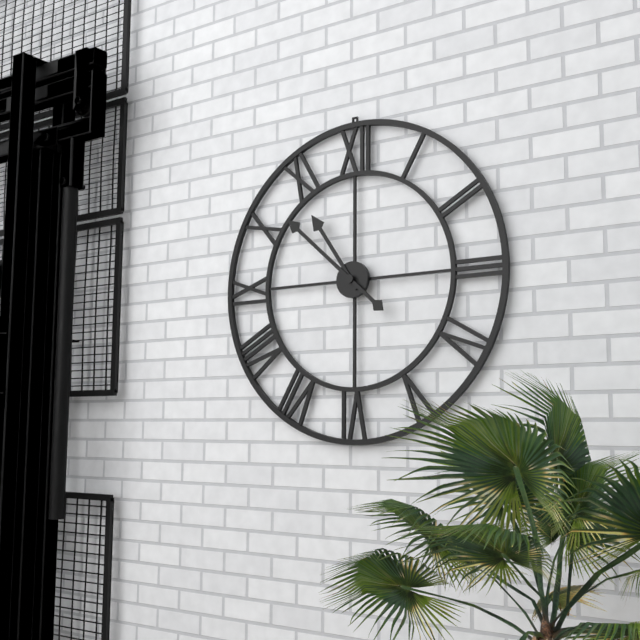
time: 10:52
